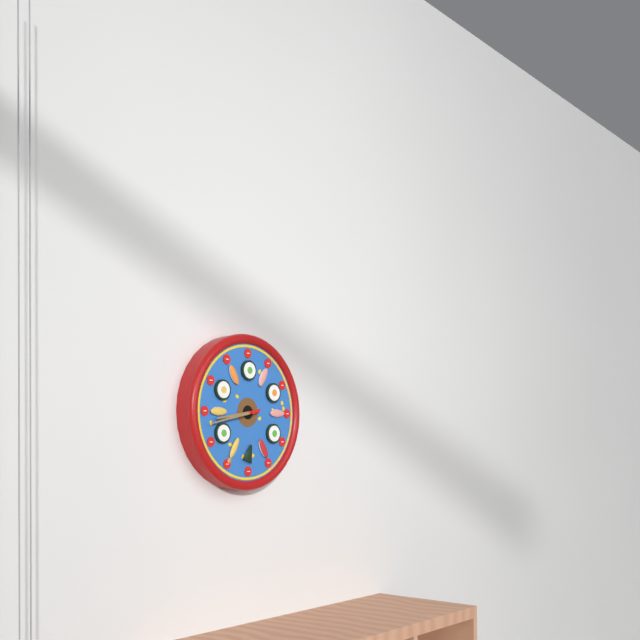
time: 8:43
